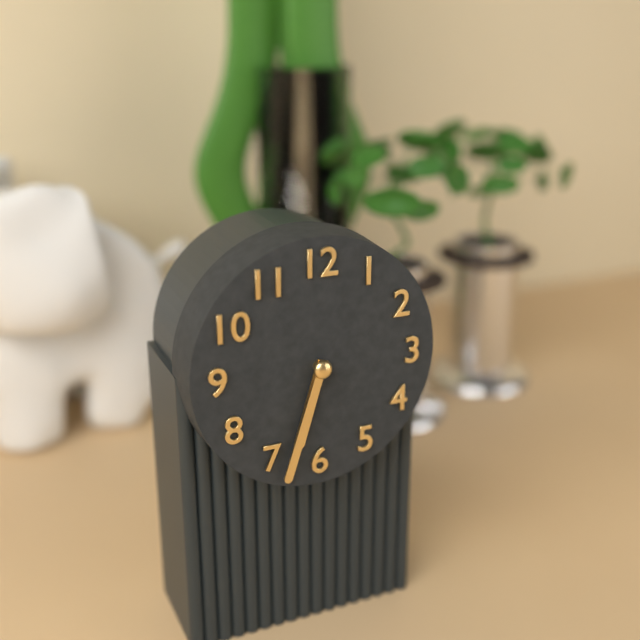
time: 6:33
